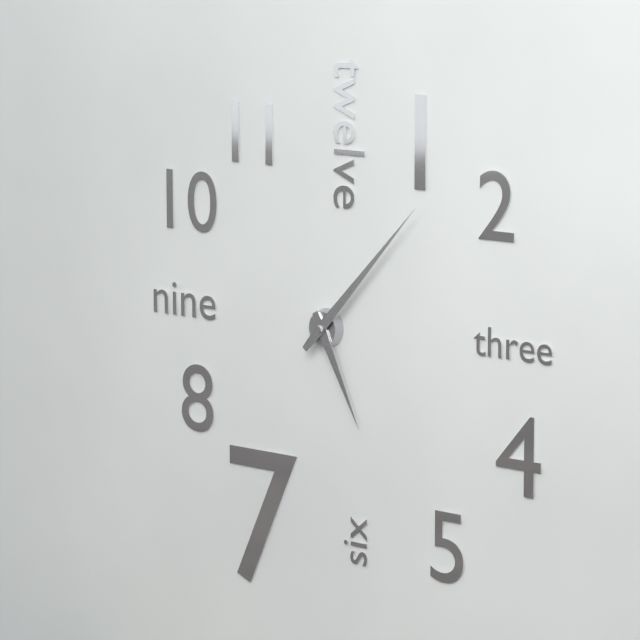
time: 5:07
